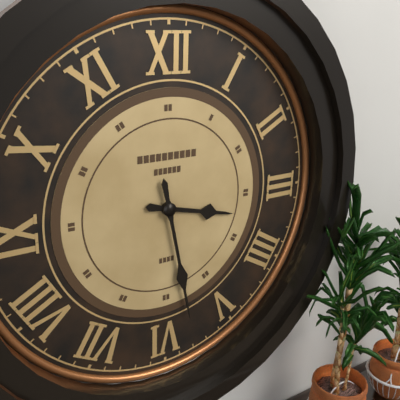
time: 3:28
